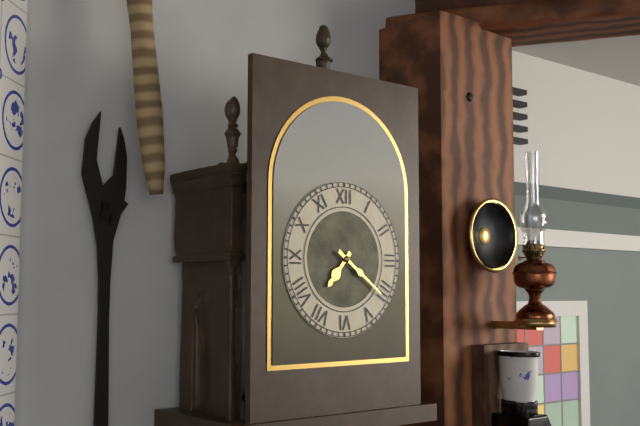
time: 7:21
